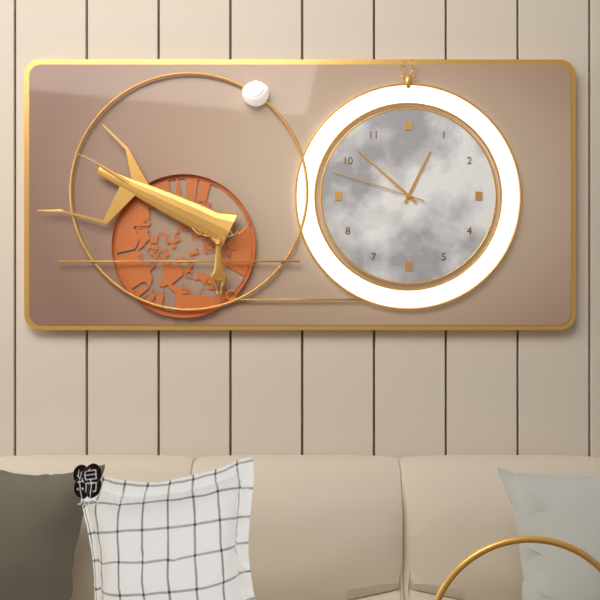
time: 12:52:48
